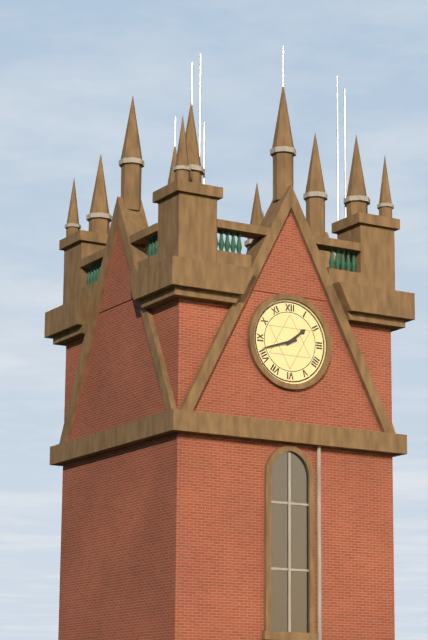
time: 1:42
